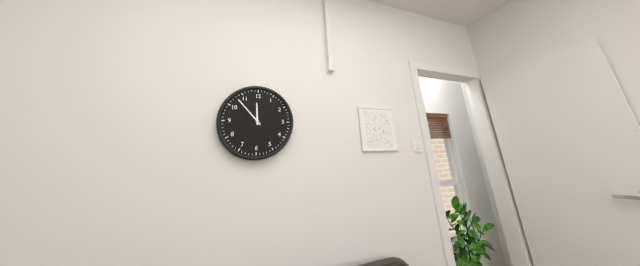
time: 11:53
